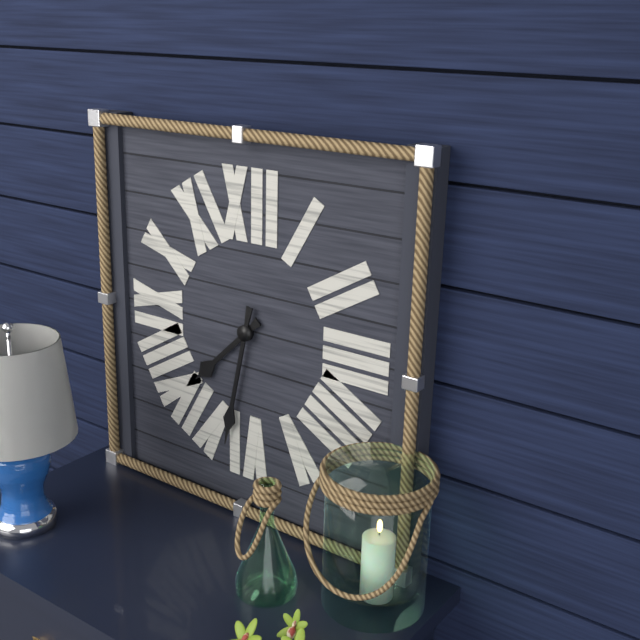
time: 7:32
